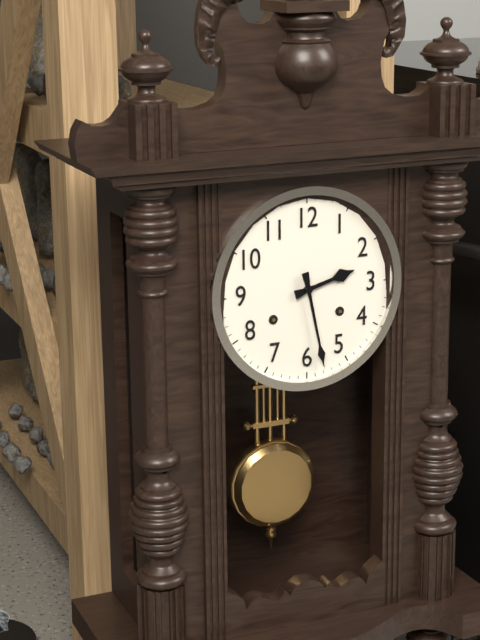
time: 2:28
